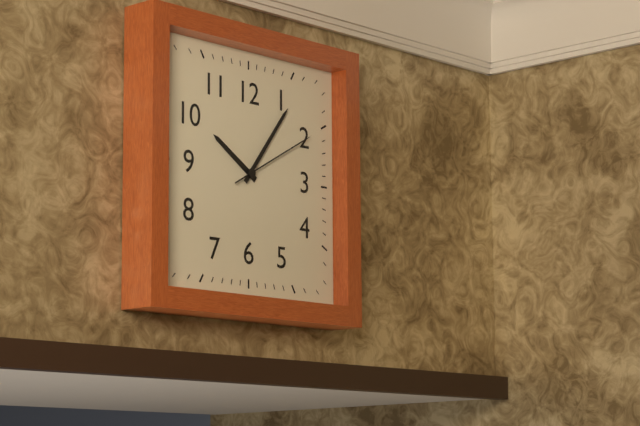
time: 10:06:10
